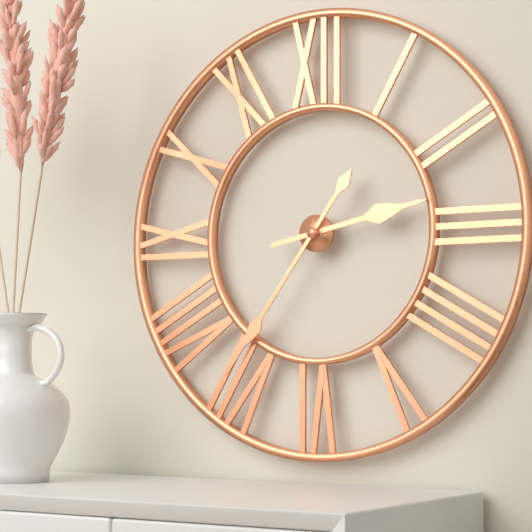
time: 2:36
